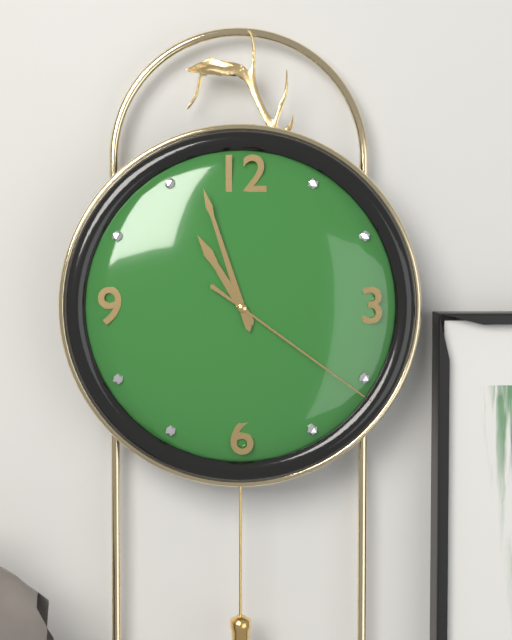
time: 10:57:21
